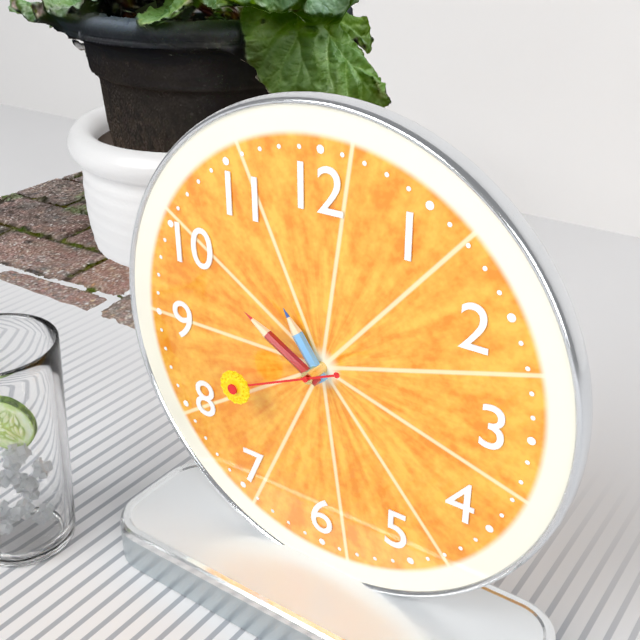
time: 10:50:41
